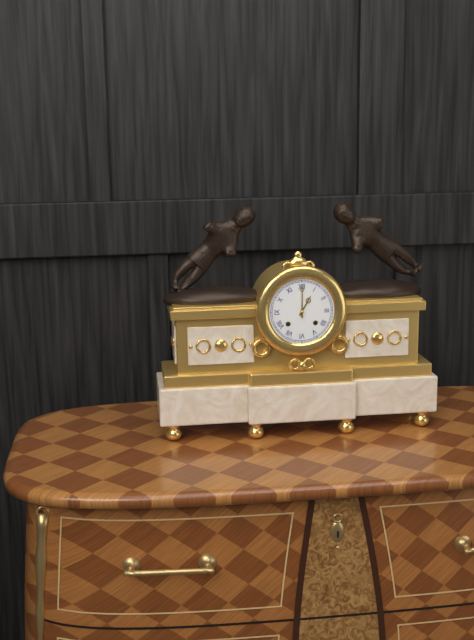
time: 1:00
